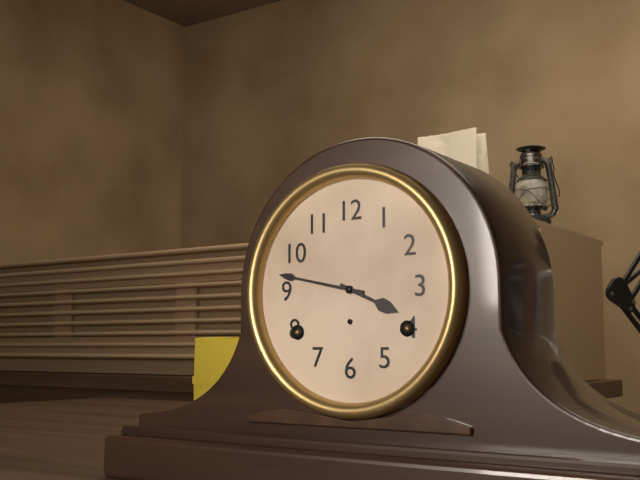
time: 3:47
